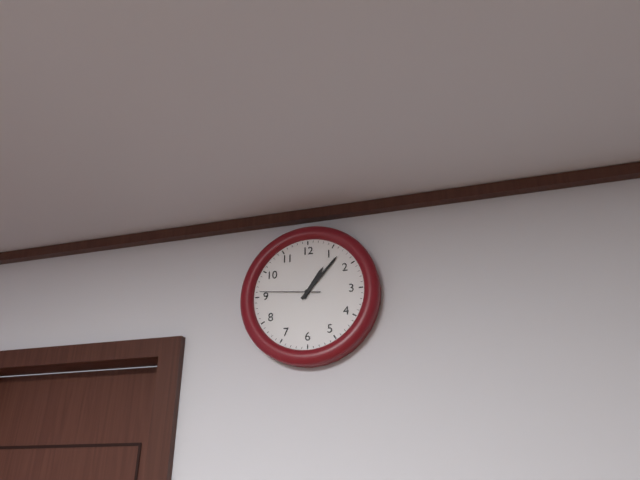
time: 1:07:46
